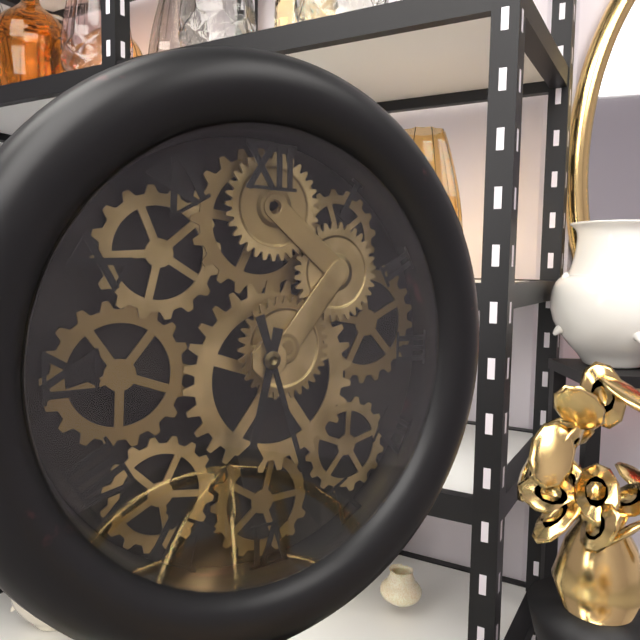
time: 6:27
